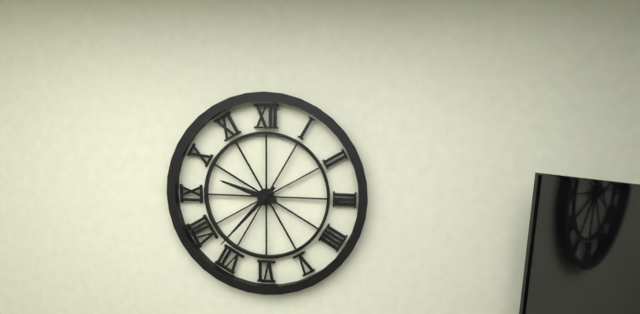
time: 9:37
